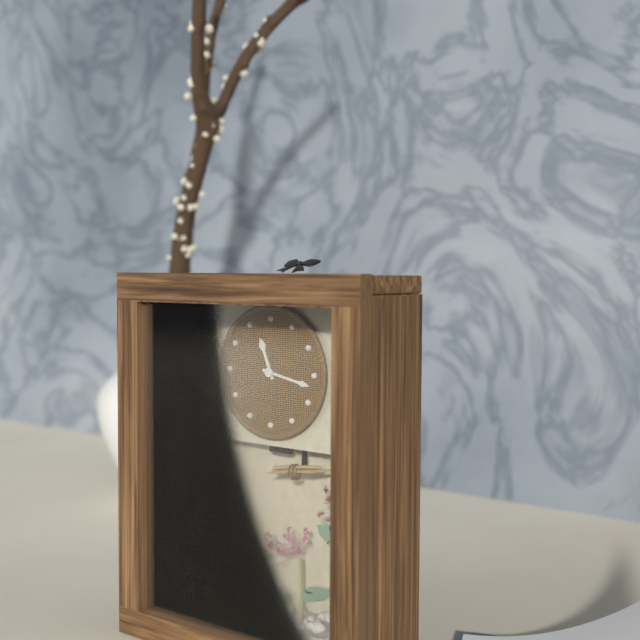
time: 11:17
